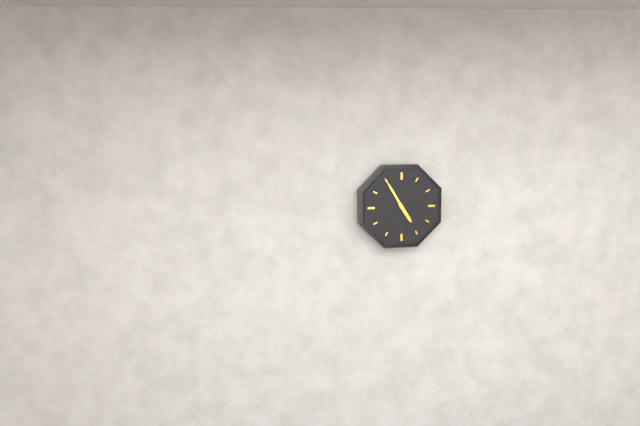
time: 4:55
